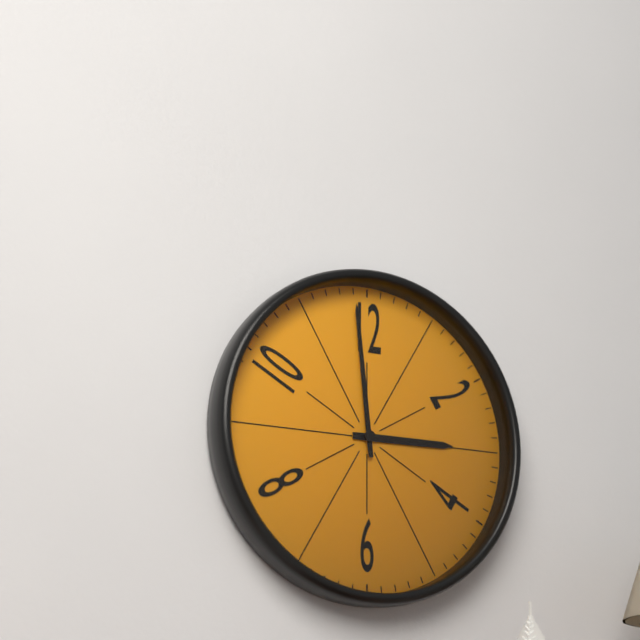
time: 2:59
